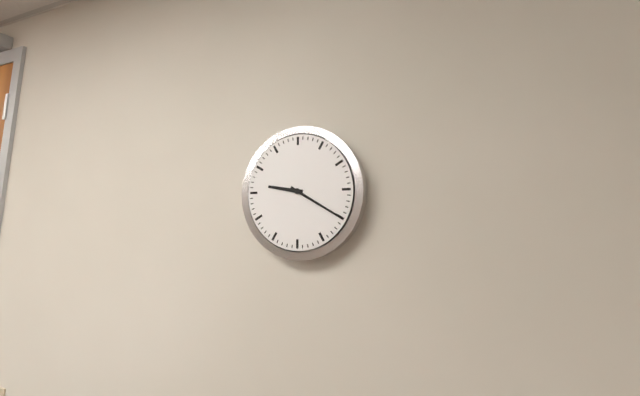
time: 9:20
